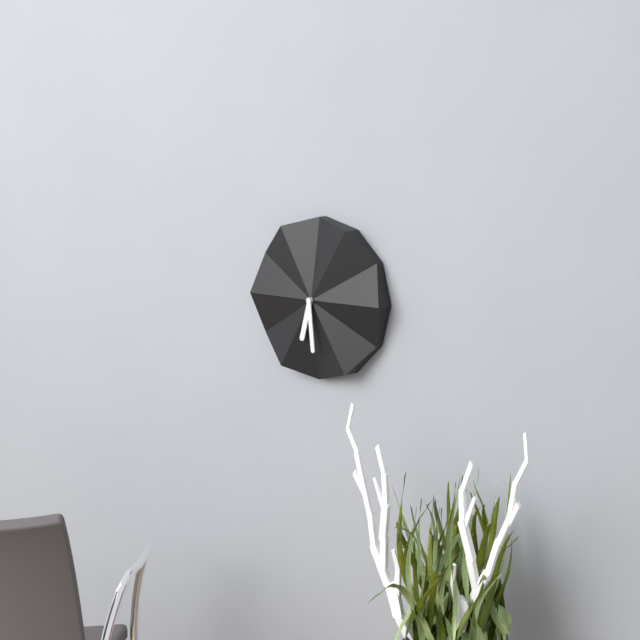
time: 6:29
